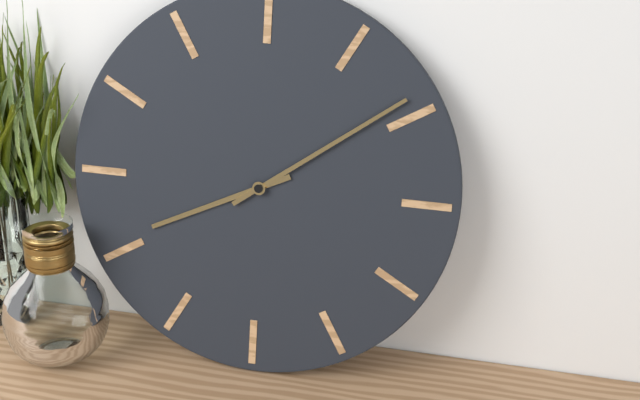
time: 8:09
